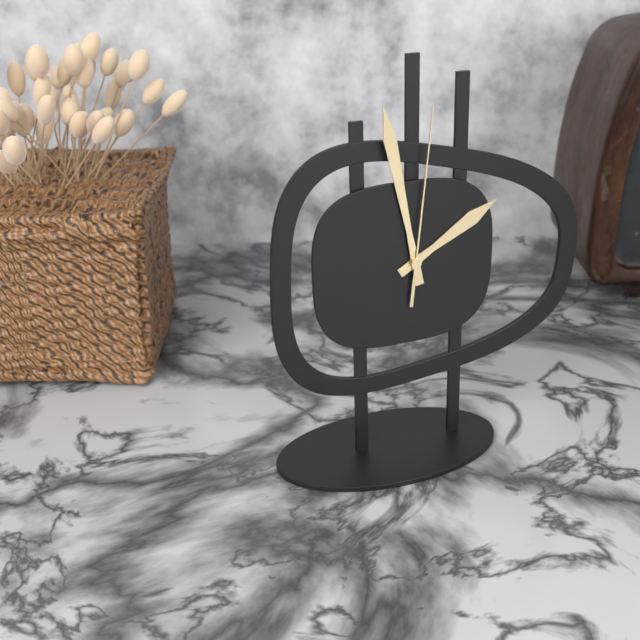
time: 1:58:01
